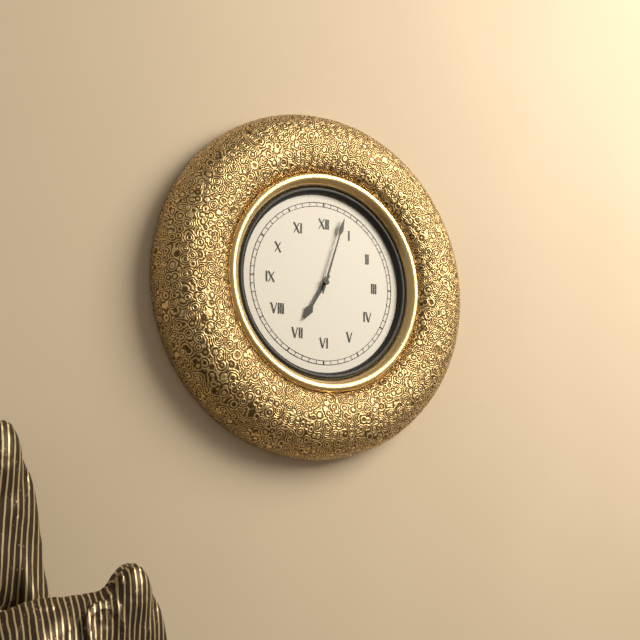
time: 7:03
